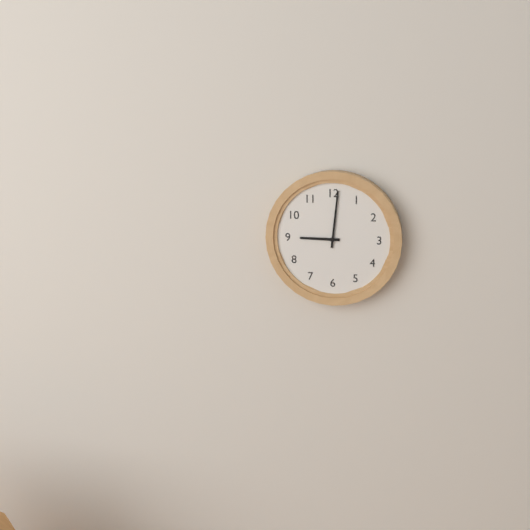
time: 9:01
